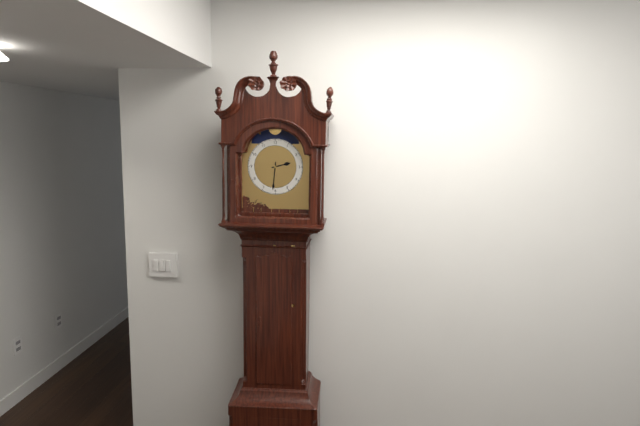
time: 2:31
